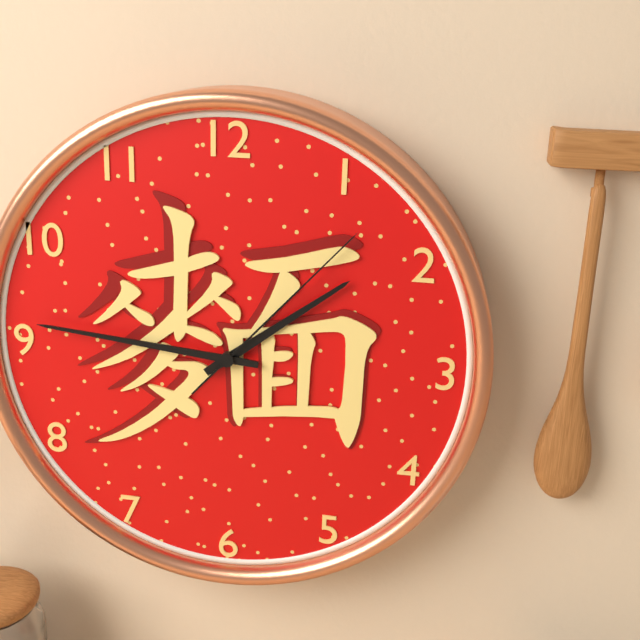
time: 1:46:07
